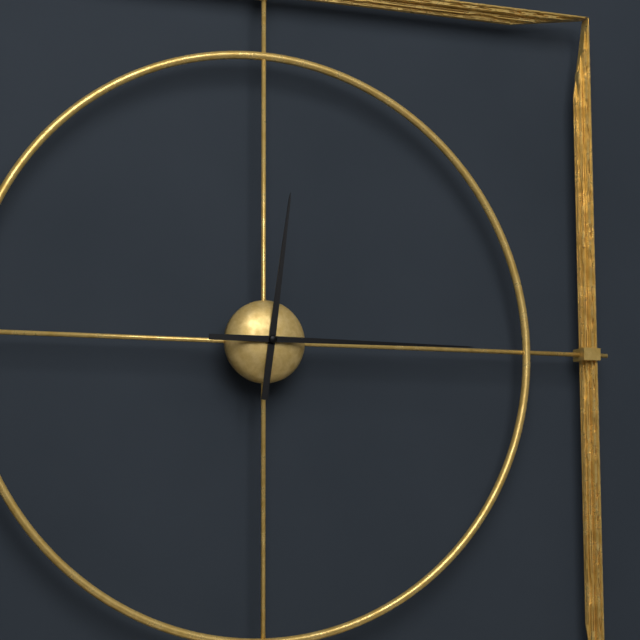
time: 12:15
